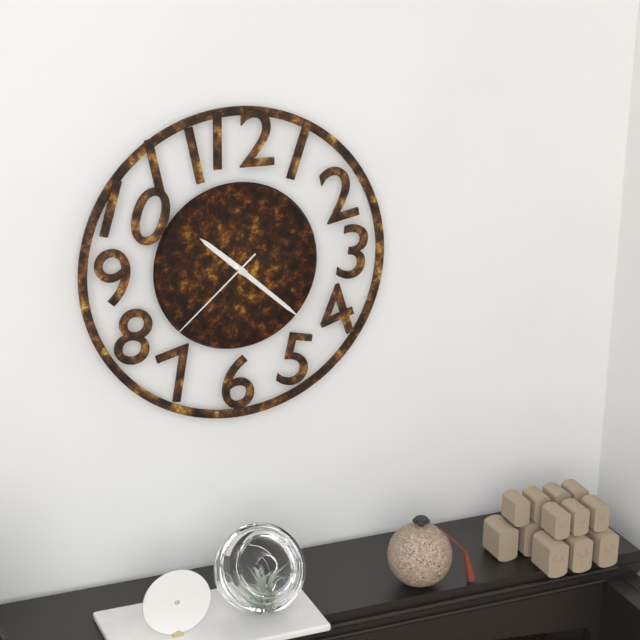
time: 10:22:38
